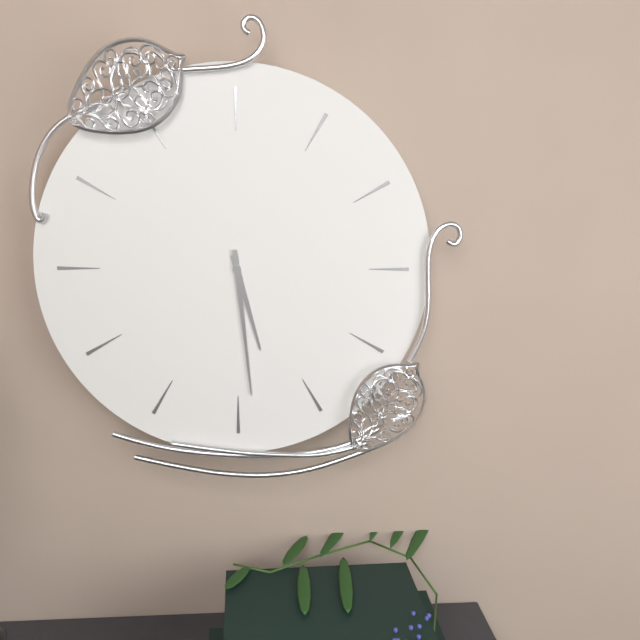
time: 5:29
